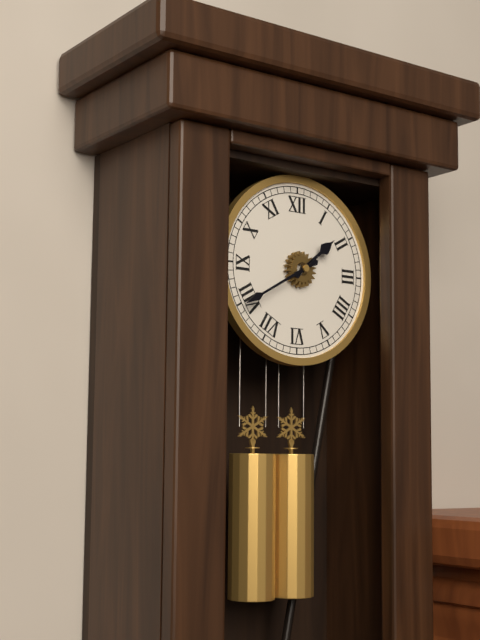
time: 1:40
